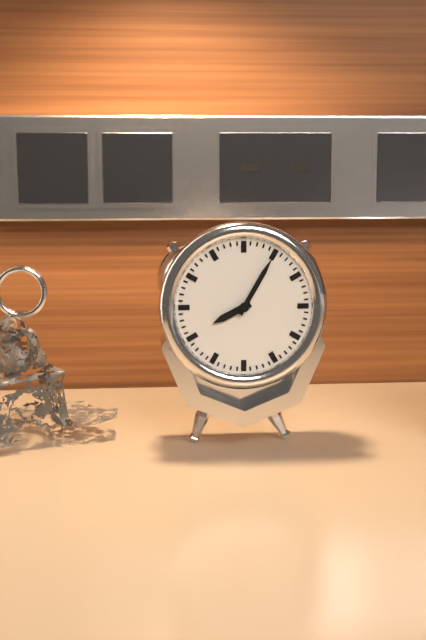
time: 8:05
